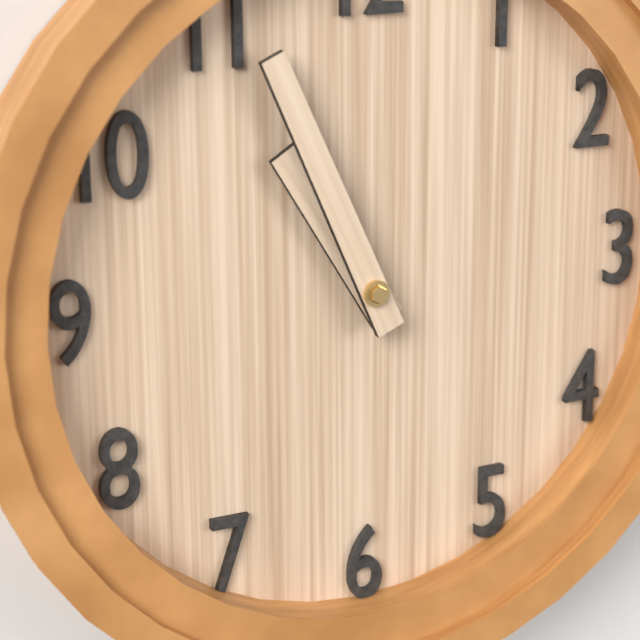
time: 10:56
